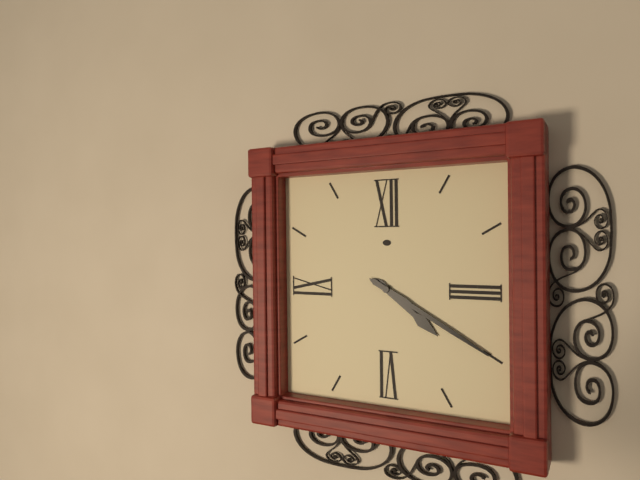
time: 4:20
